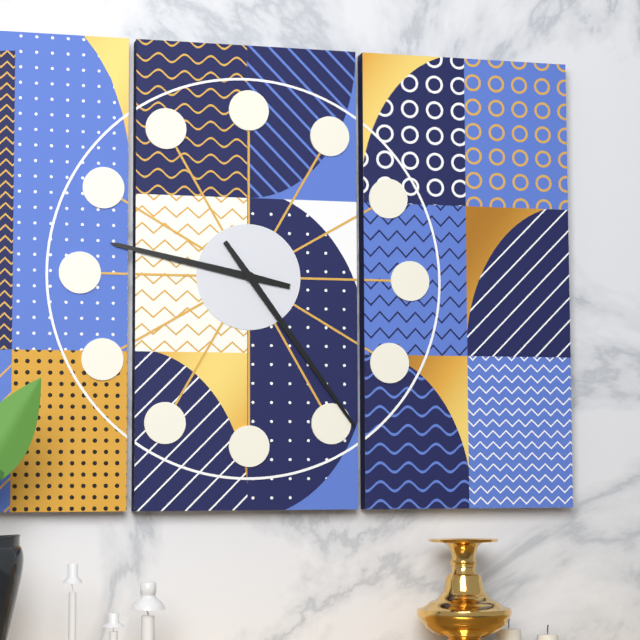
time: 9:24
